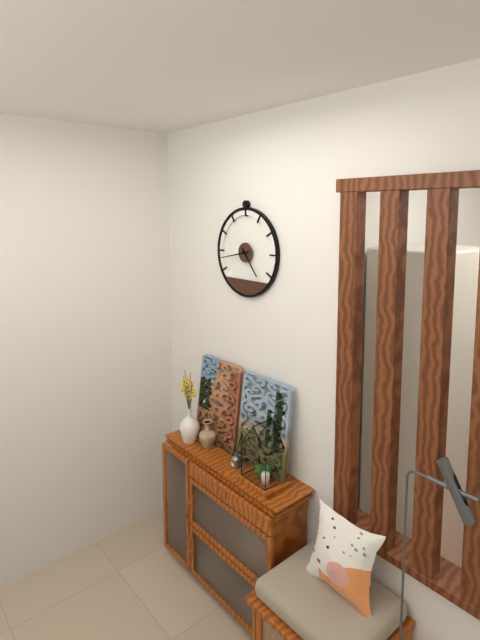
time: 4:43
